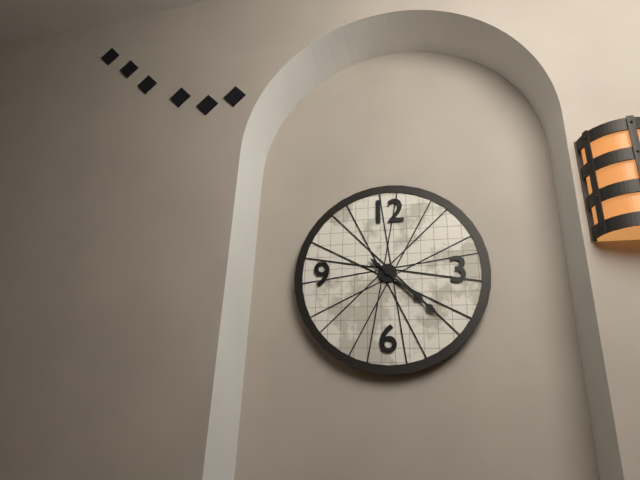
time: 4:22
